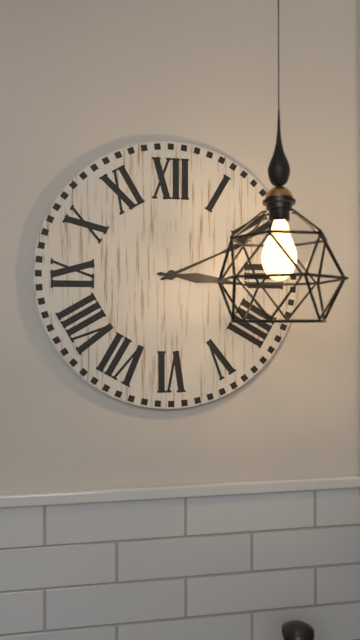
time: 3:11
